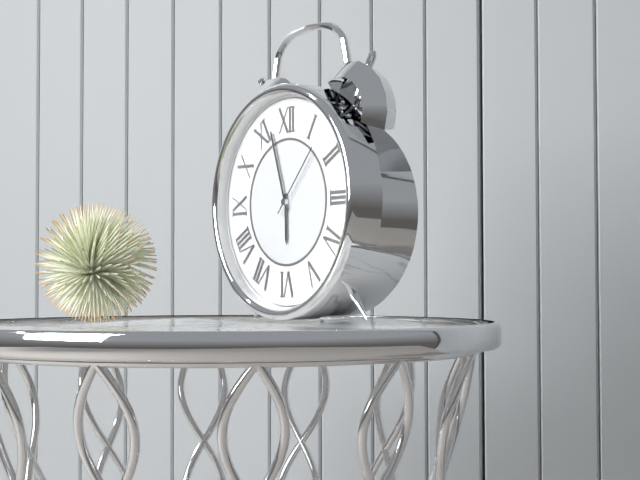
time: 5:57:07
